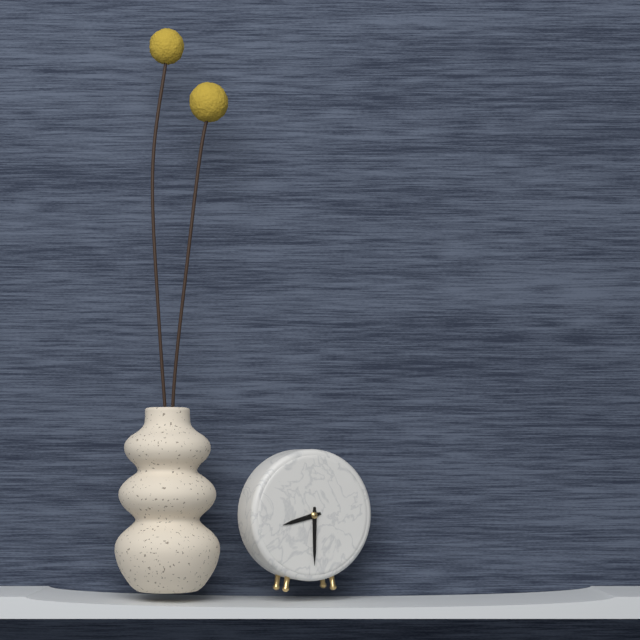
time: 8:30
